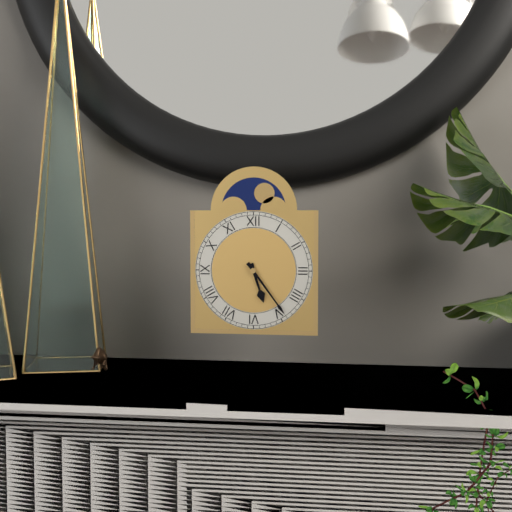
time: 5:24
